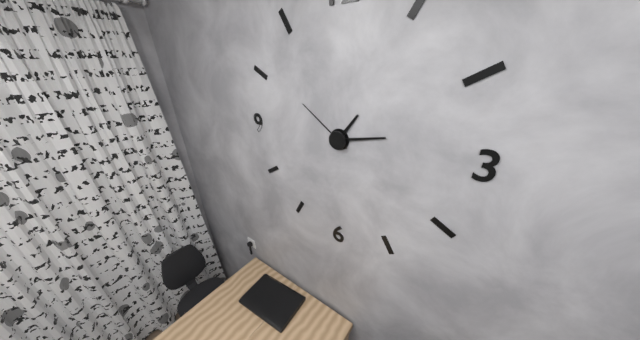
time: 1:13:51
